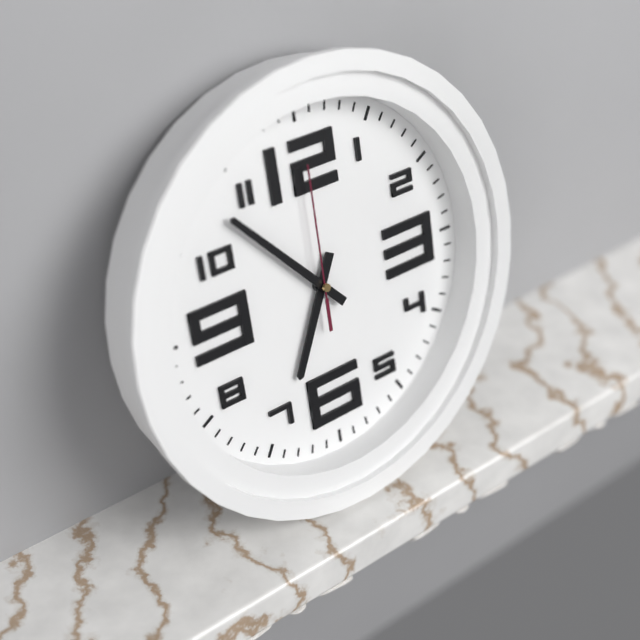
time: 6:53:00
